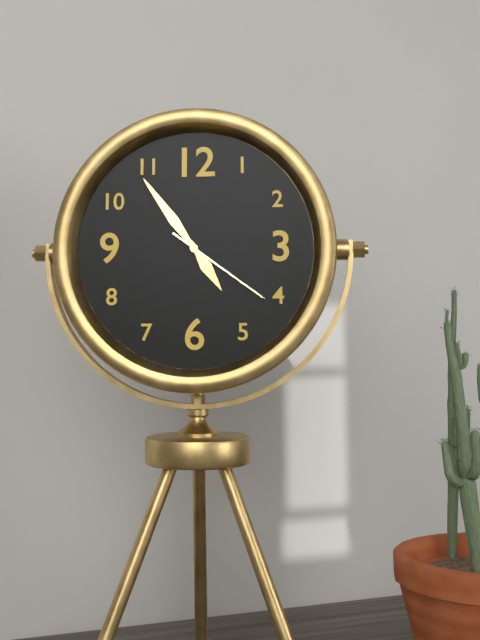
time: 4:54:21
